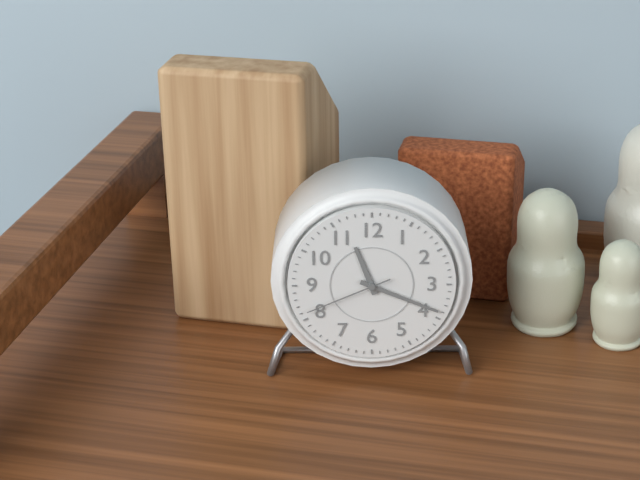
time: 11:19:41
